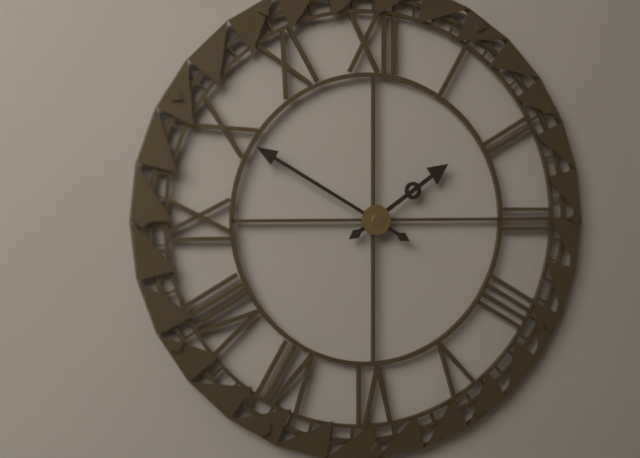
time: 1:50
